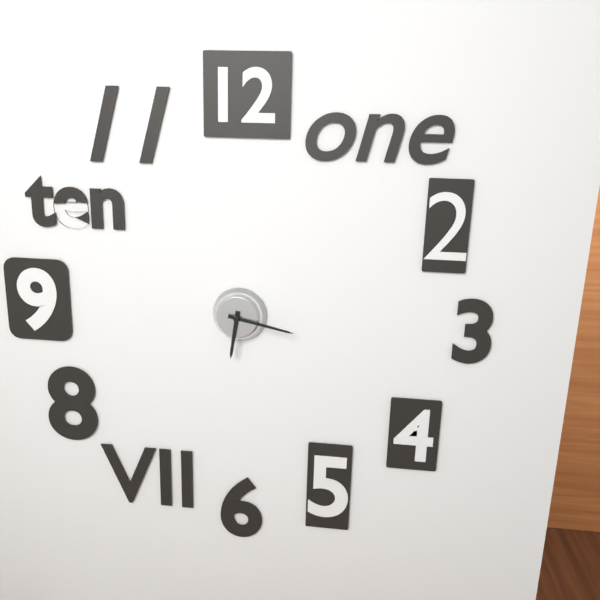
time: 6:17
